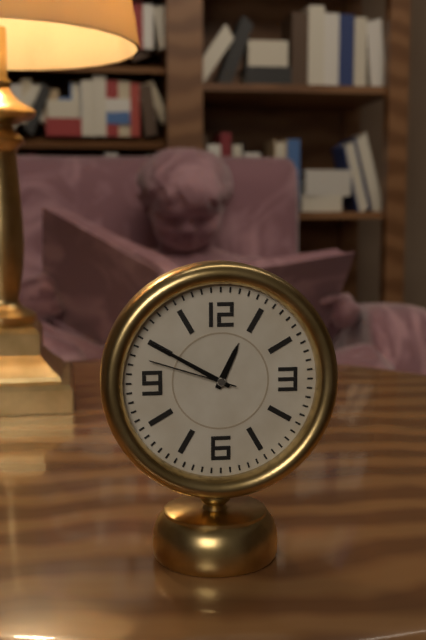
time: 12:50:48
